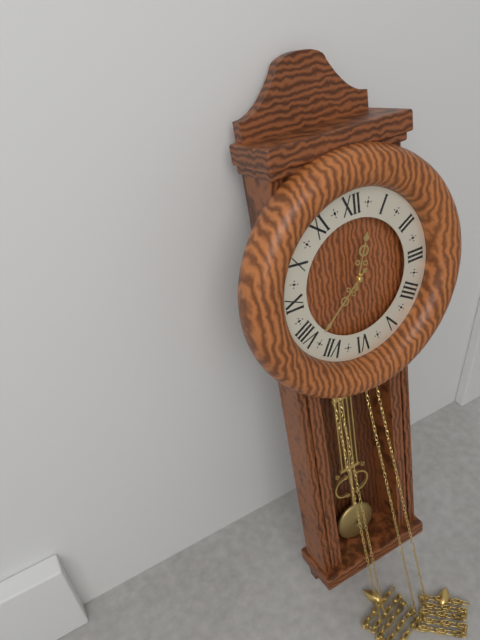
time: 12:38
